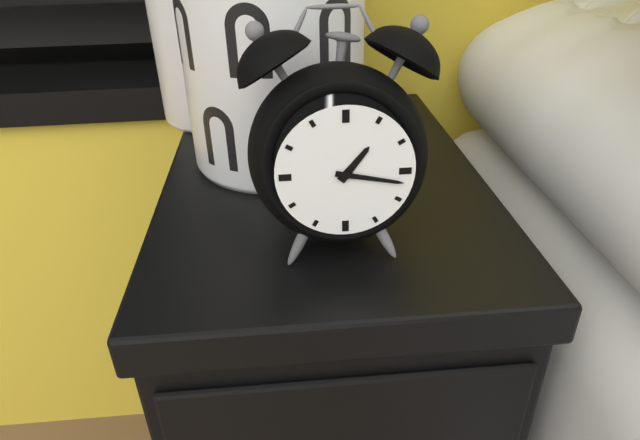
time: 1:17
